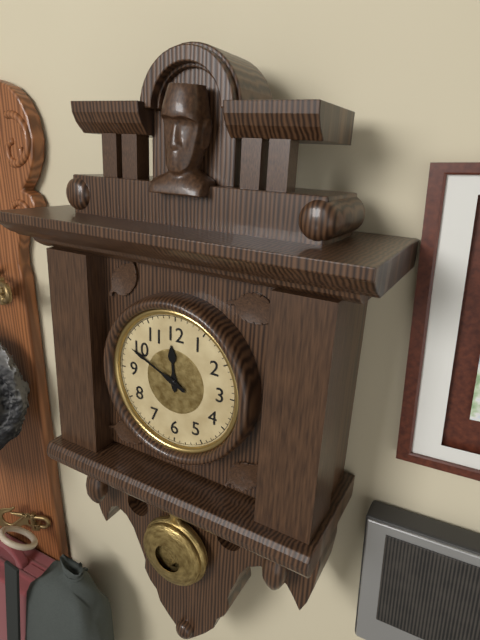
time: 11:49
